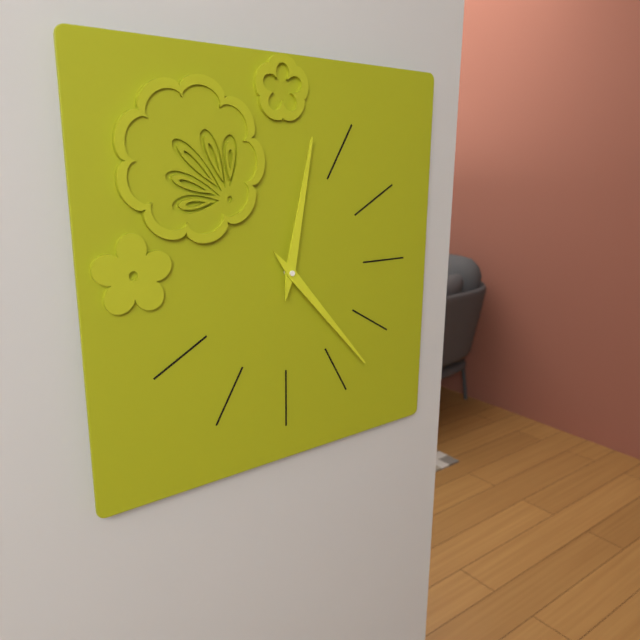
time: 12:23
